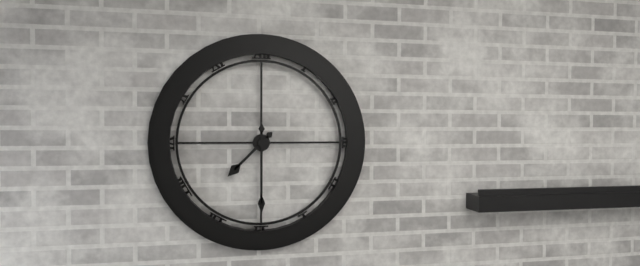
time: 7:30
